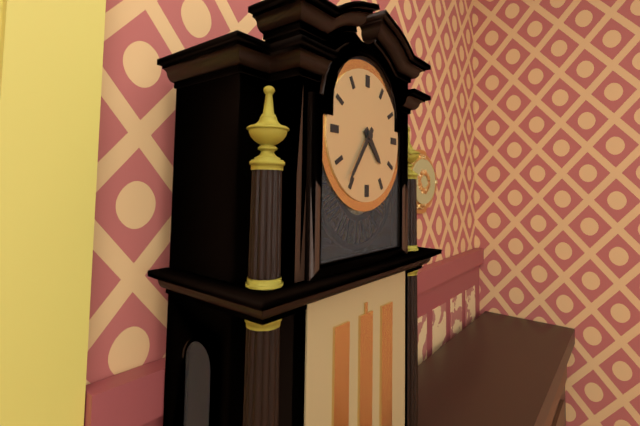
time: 4:36
